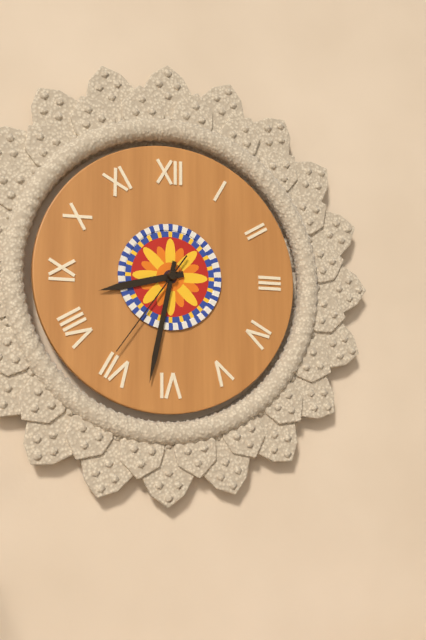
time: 8:32:36
